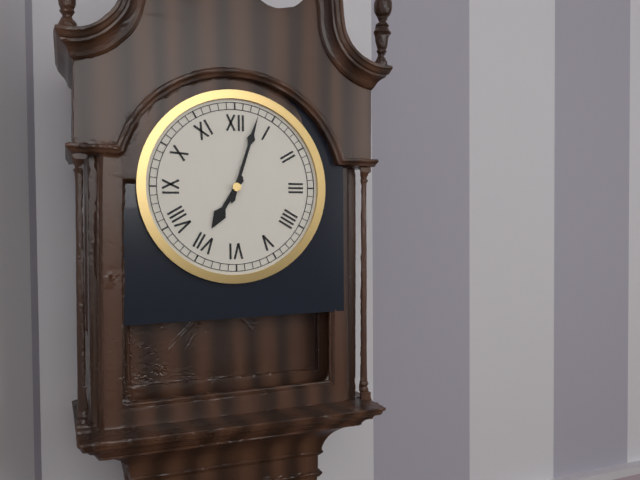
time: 7:03
